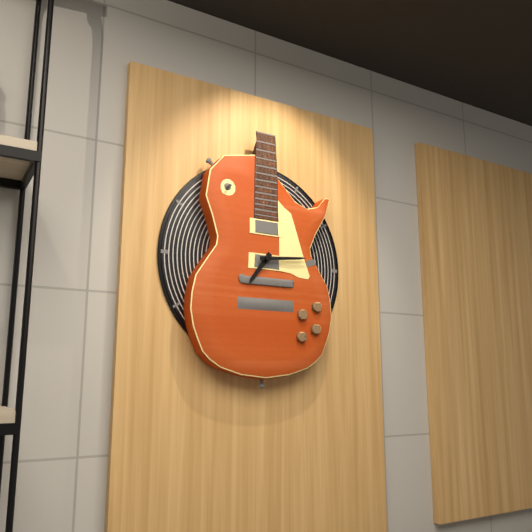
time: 7:14
